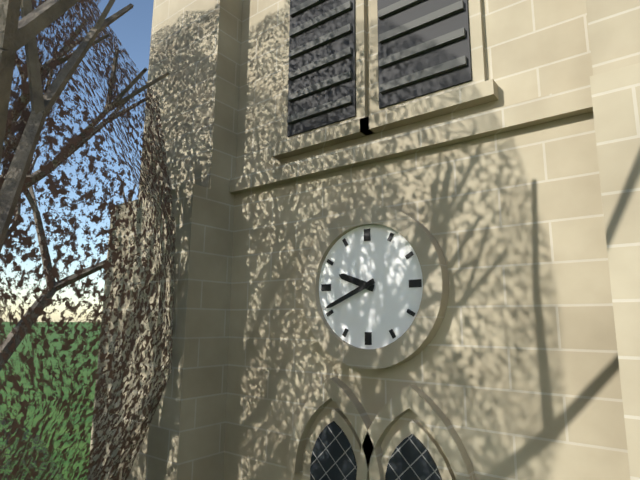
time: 9:41
